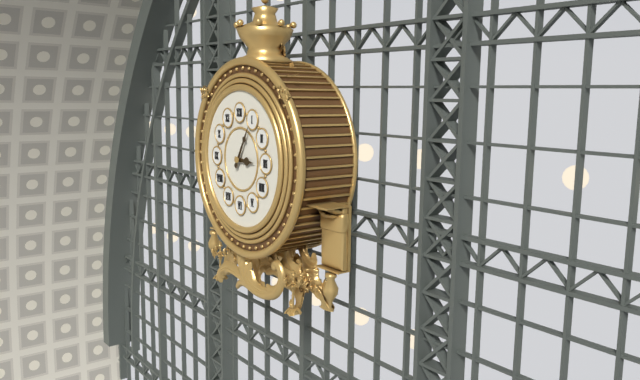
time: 3:05
